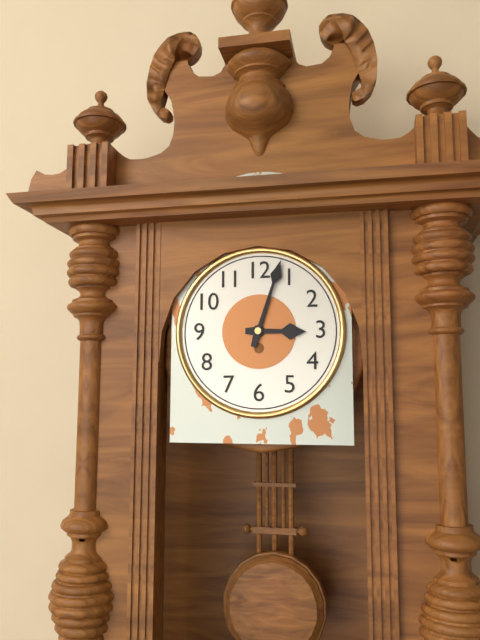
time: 3:03
